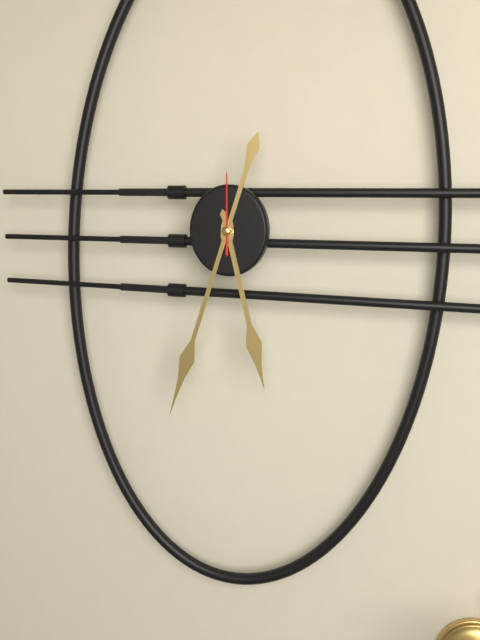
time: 5:33:00
